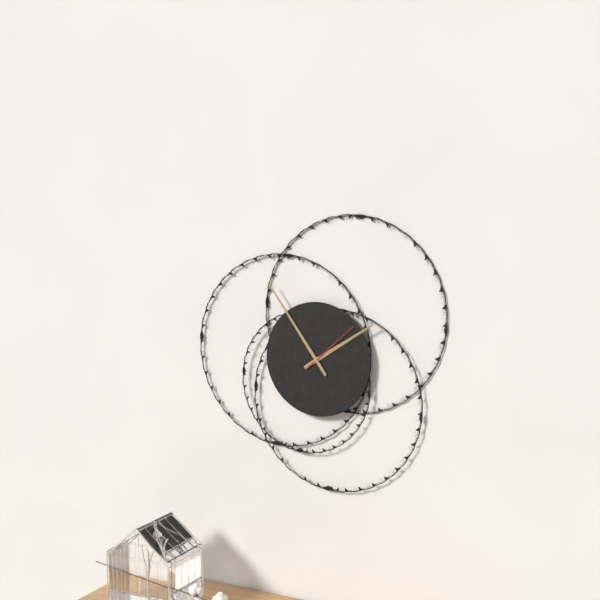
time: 1:54:08
